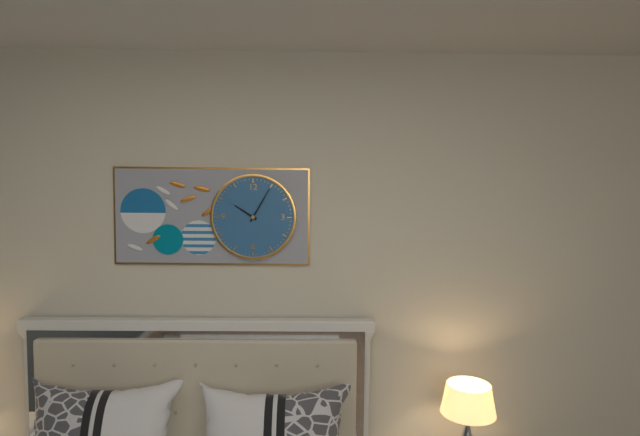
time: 10:05
